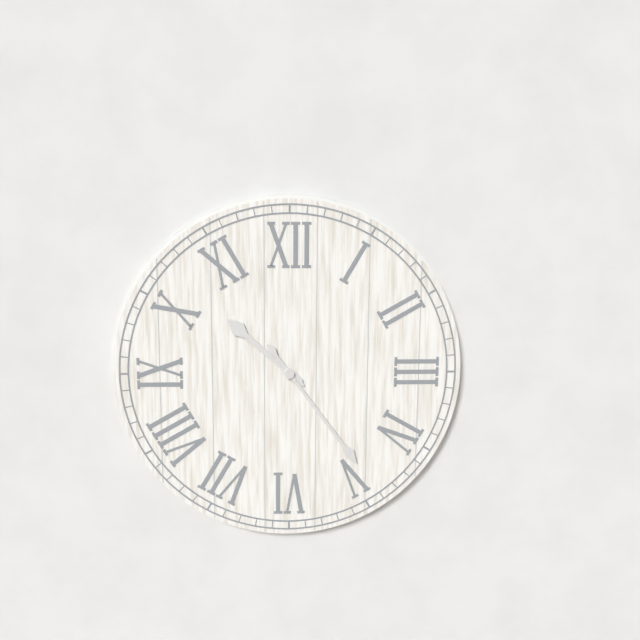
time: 10:24
